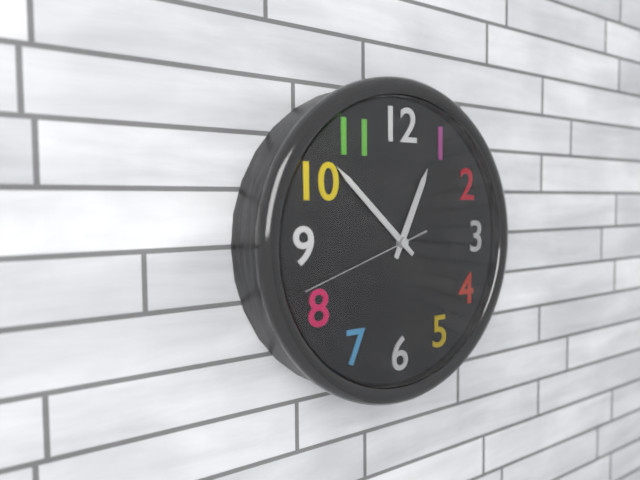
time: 12:52:42
